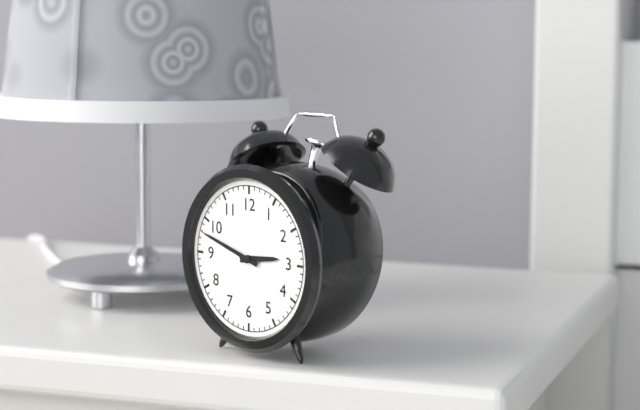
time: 2:48
